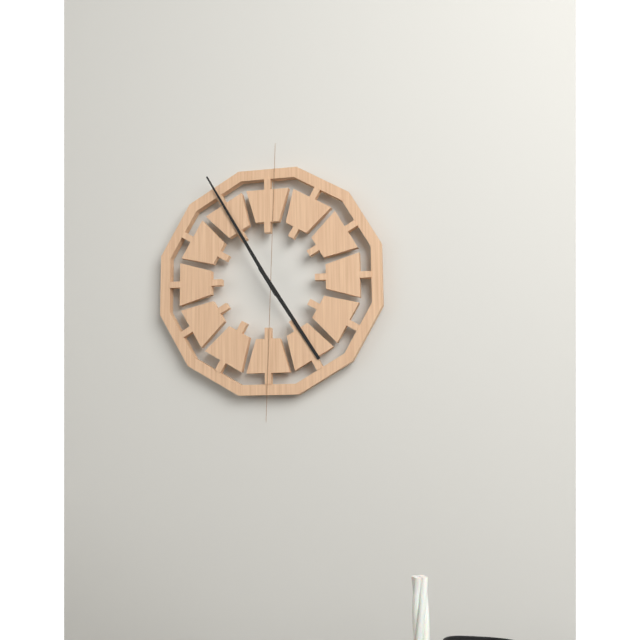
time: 4:55
